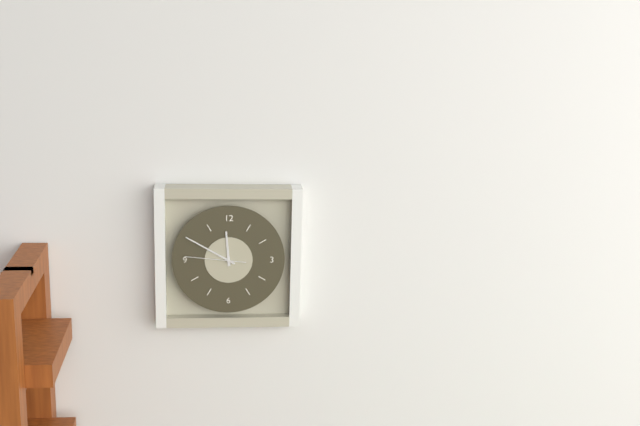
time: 11:50:46
